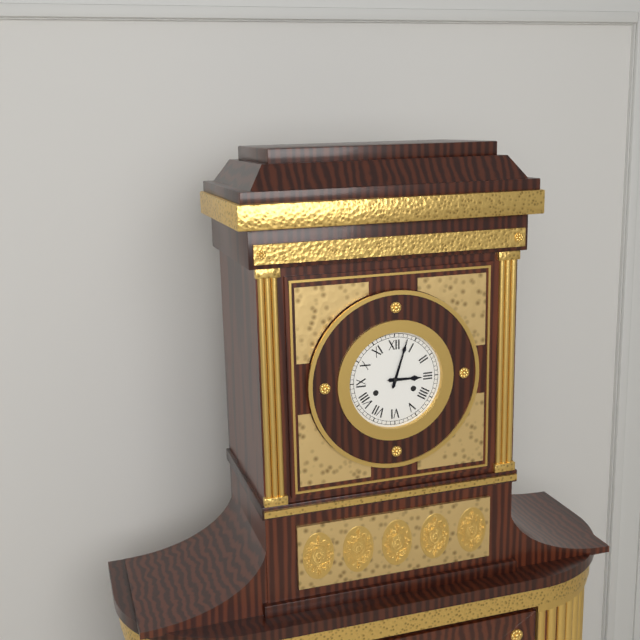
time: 3:03
